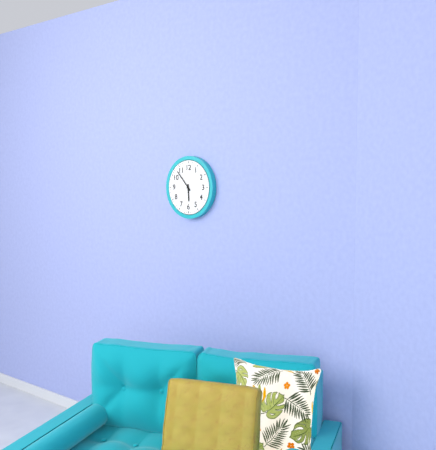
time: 5:53
